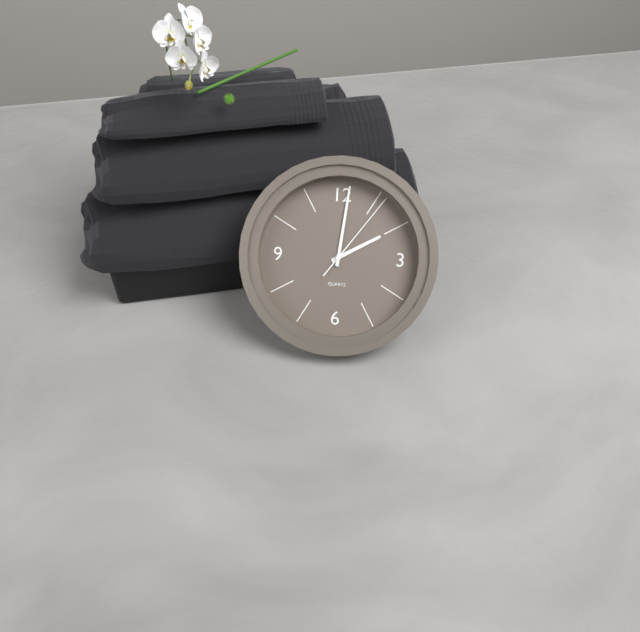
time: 2:01:06
